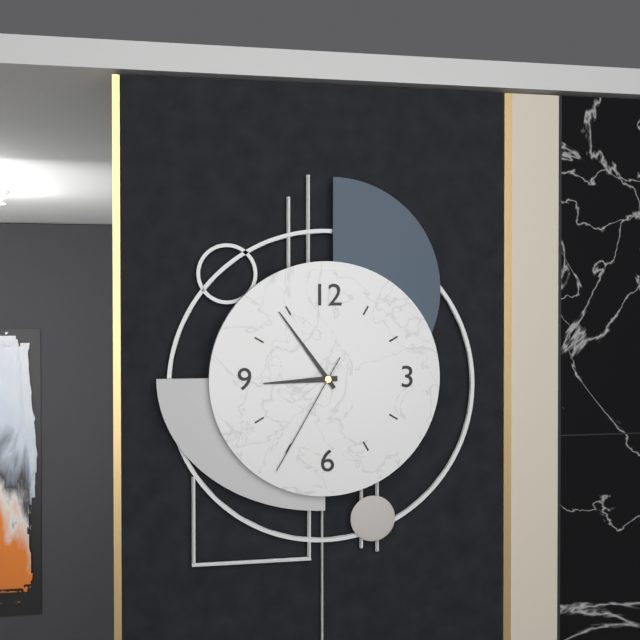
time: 8:54:35
